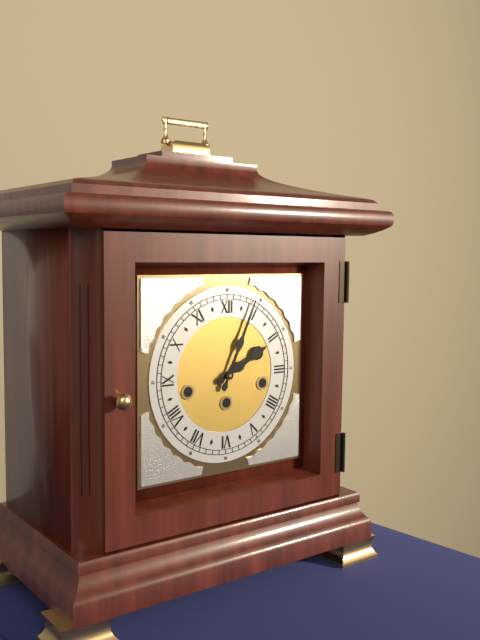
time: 2:04
